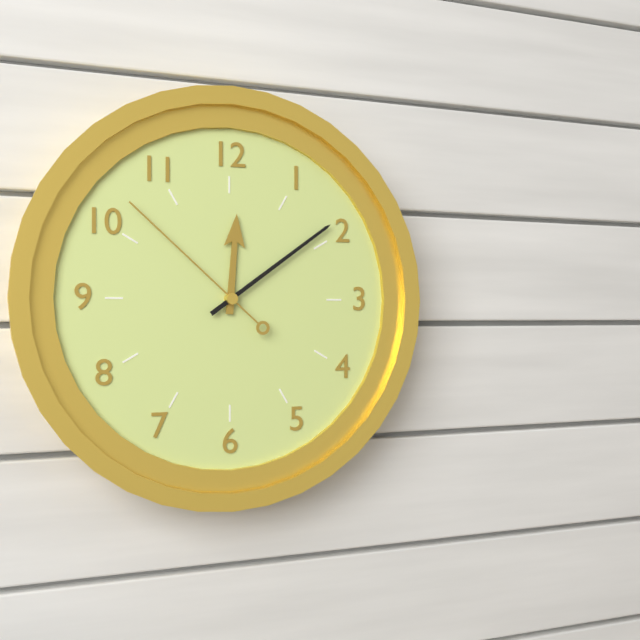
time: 12:09:52
